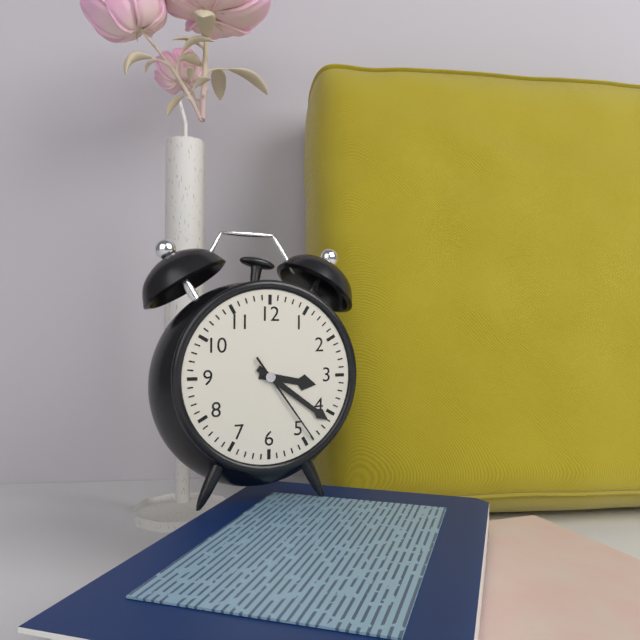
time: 3:21:24
